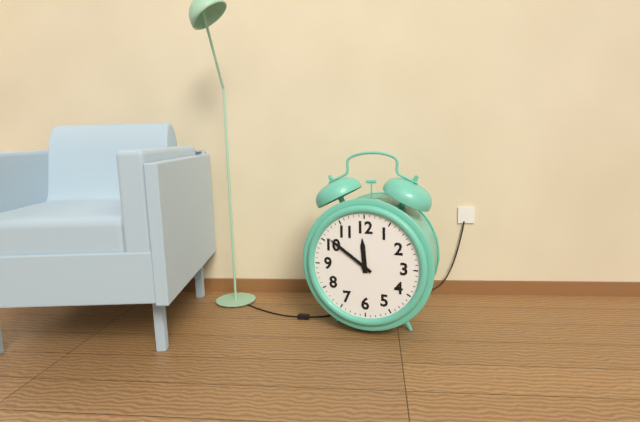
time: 11:51
